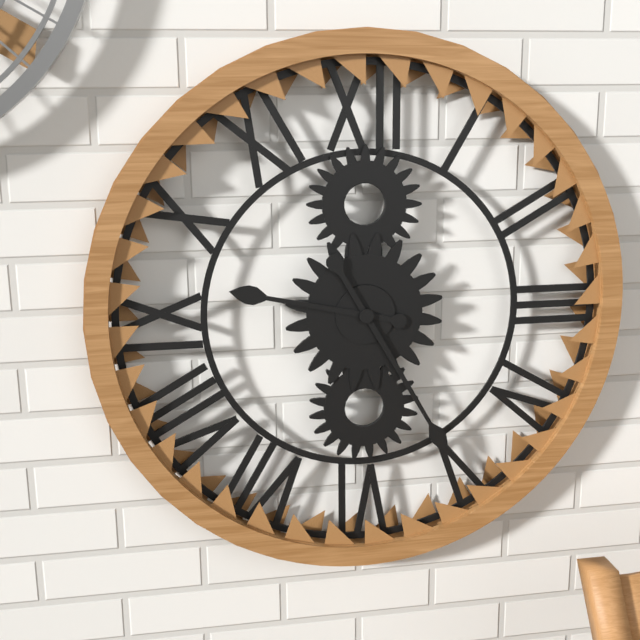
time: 9:25
